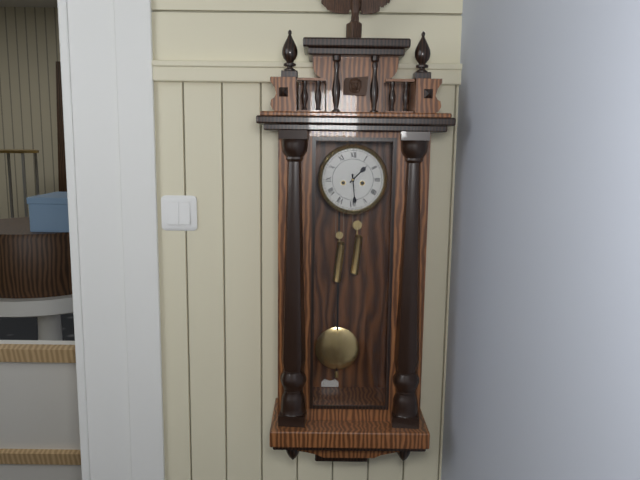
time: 1:29
